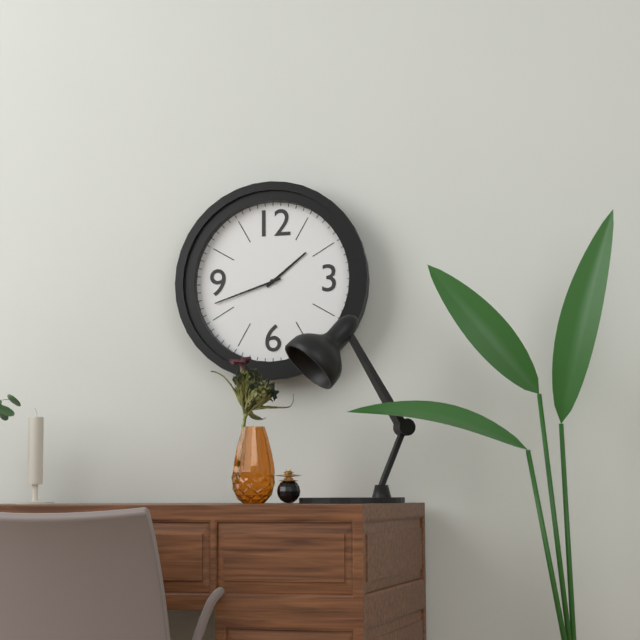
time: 1:42
